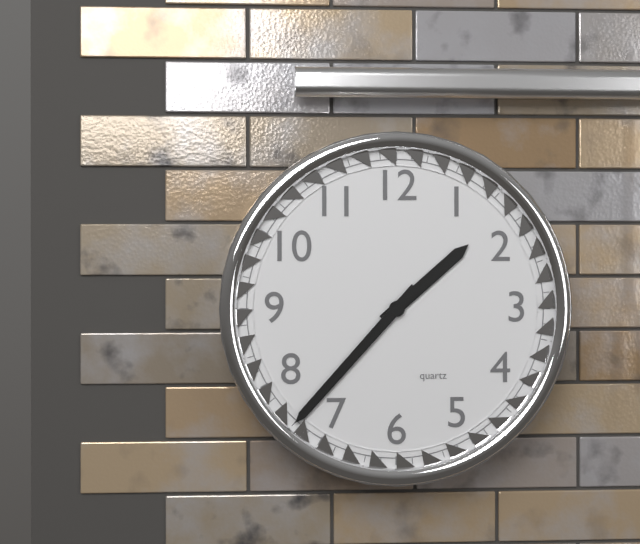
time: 1:37
